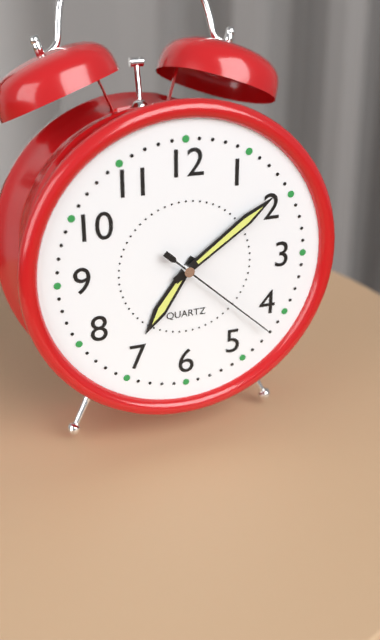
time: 7:09:22
